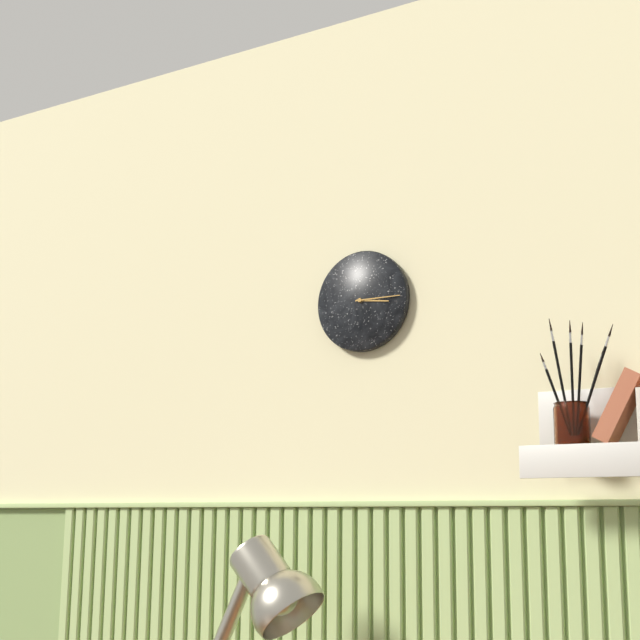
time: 3:15
